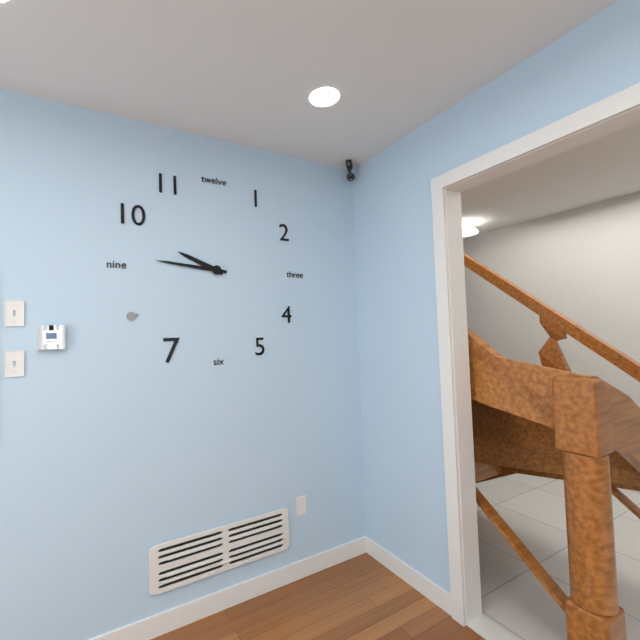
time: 9:46
